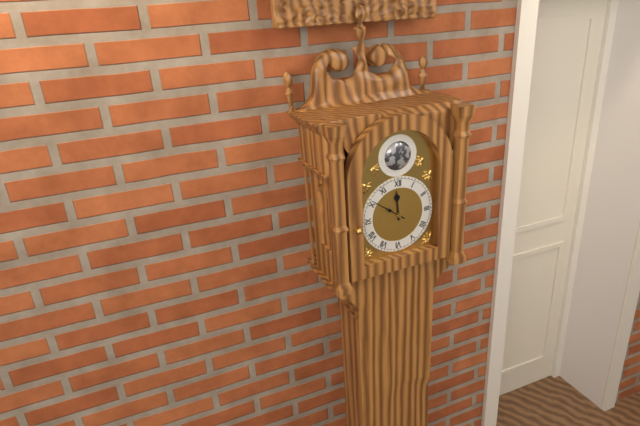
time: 11:51
